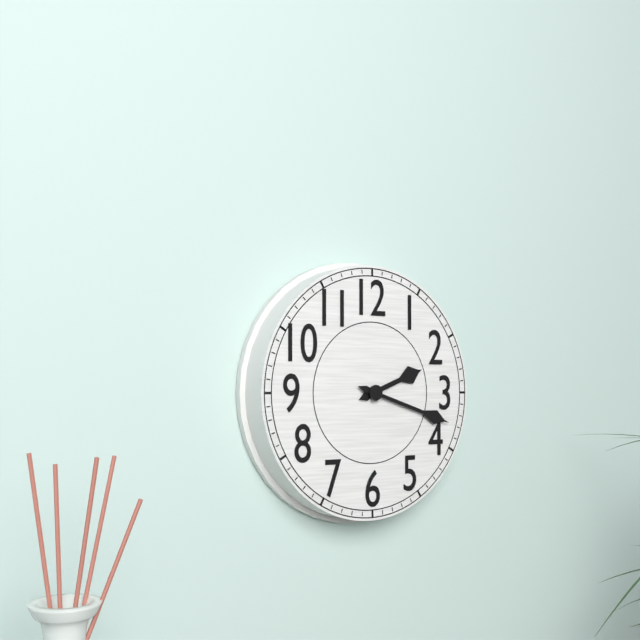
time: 2:18
